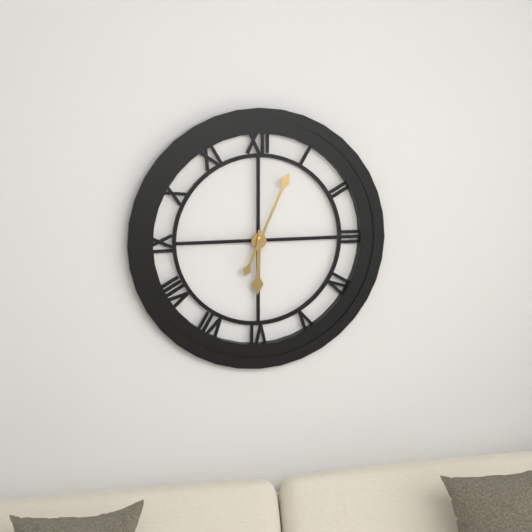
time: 6:04
